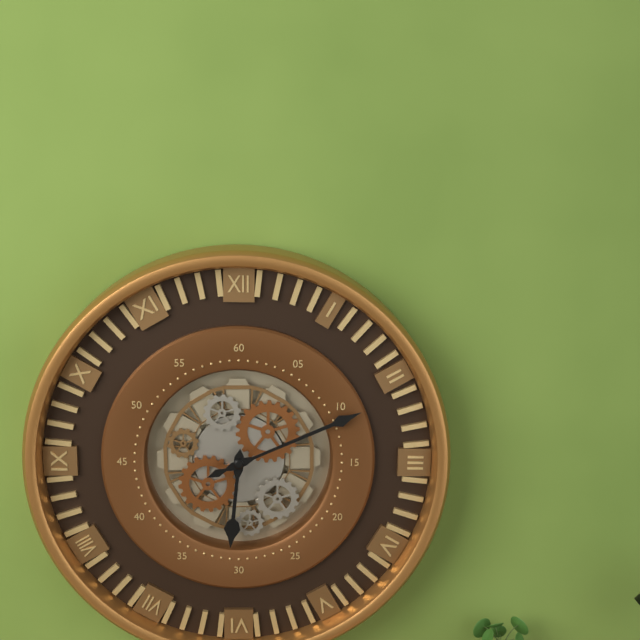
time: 6:11
